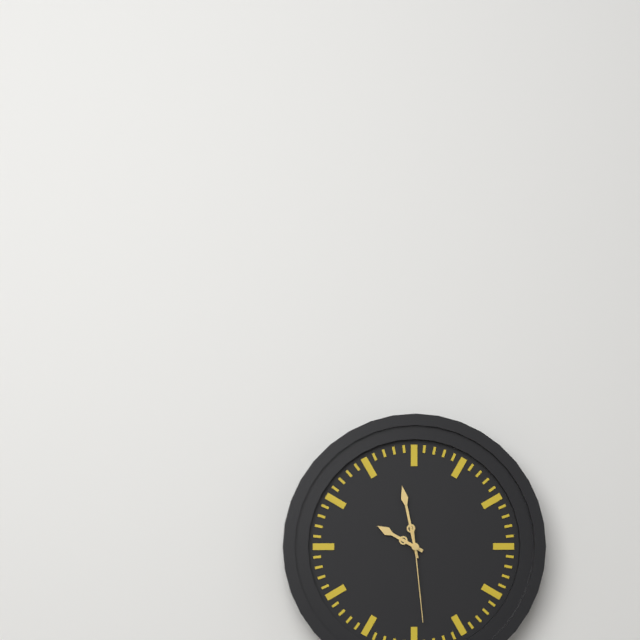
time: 9:58:29
